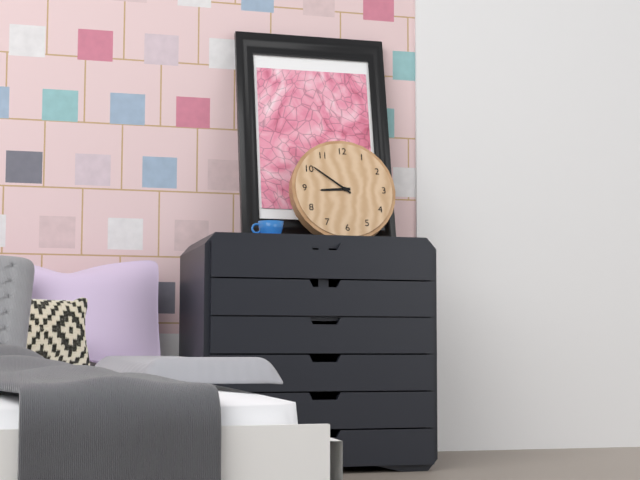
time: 8:51
